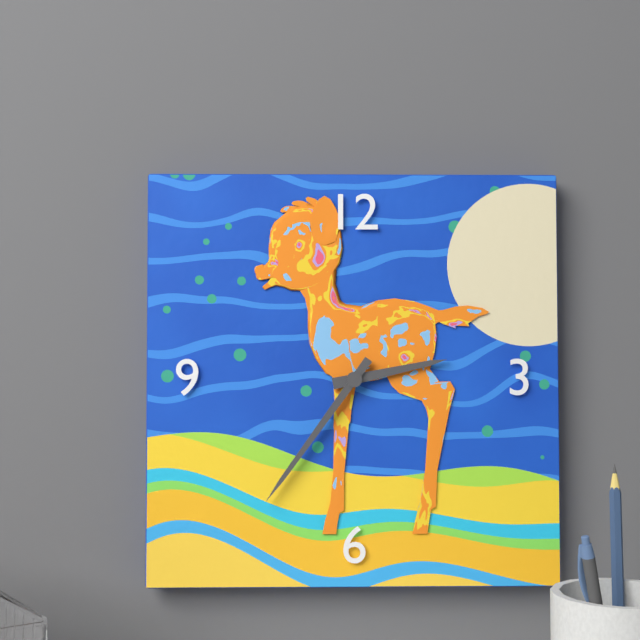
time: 2:36
